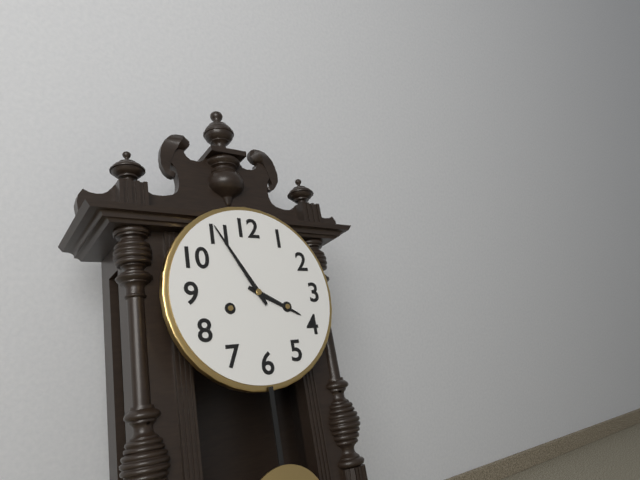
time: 3:55
